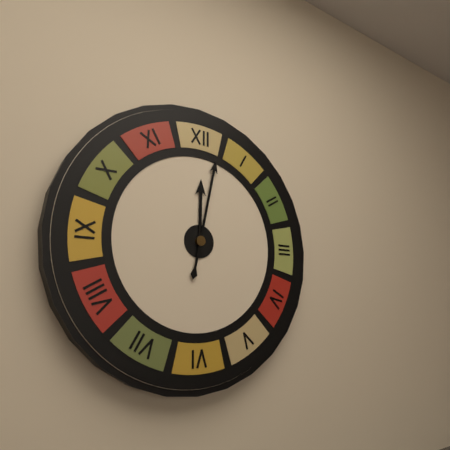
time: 12:02
